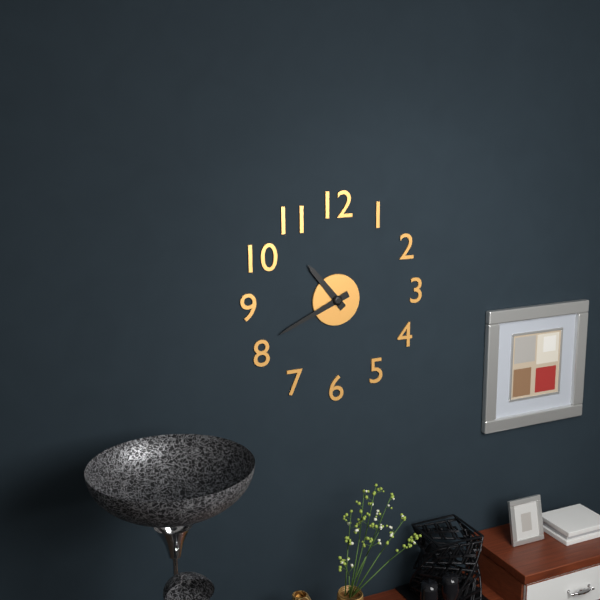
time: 10:41
